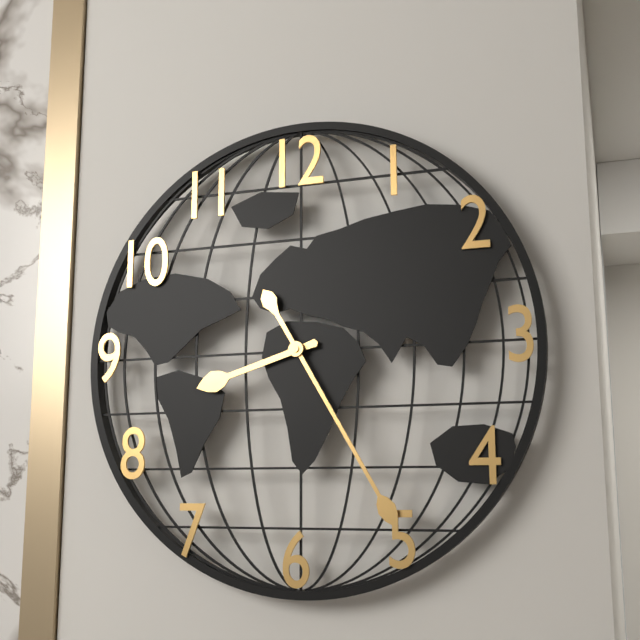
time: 8:25
